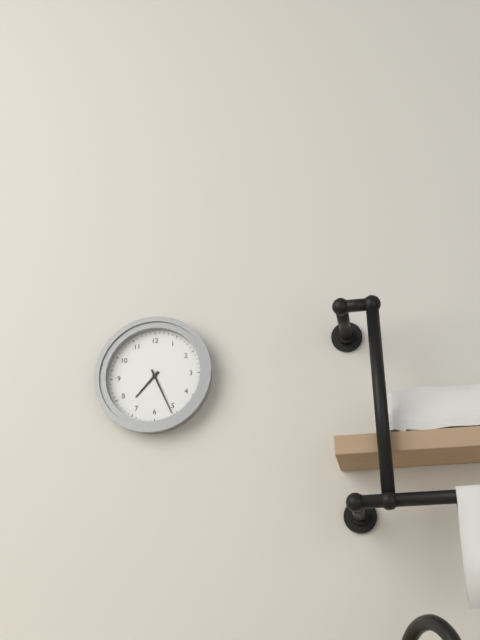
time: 7:26
